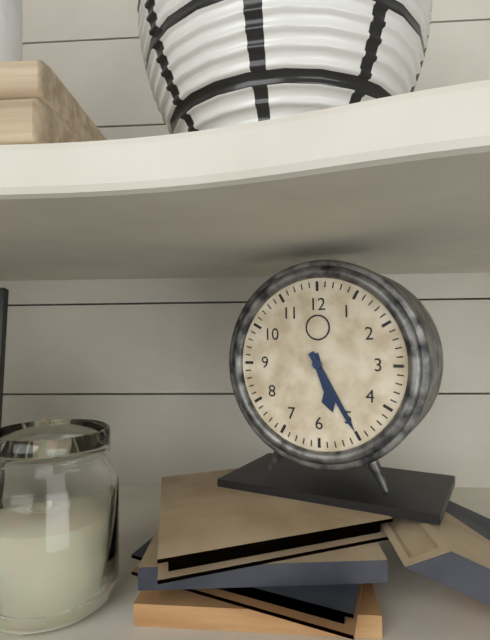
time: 5:25
